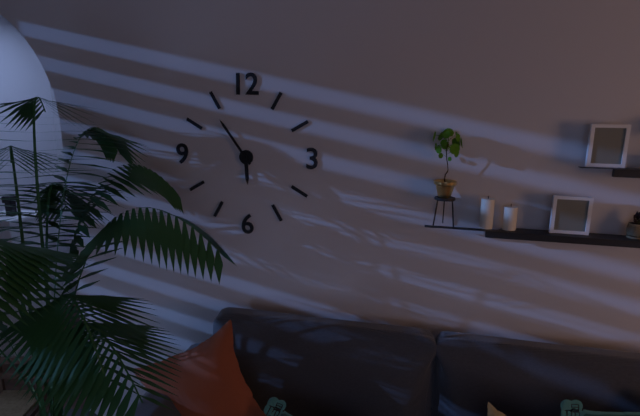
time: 5:54
